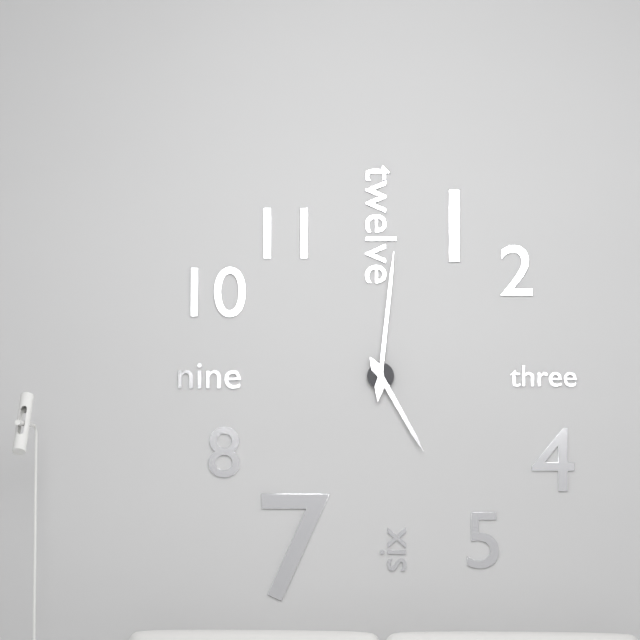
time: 5:01
